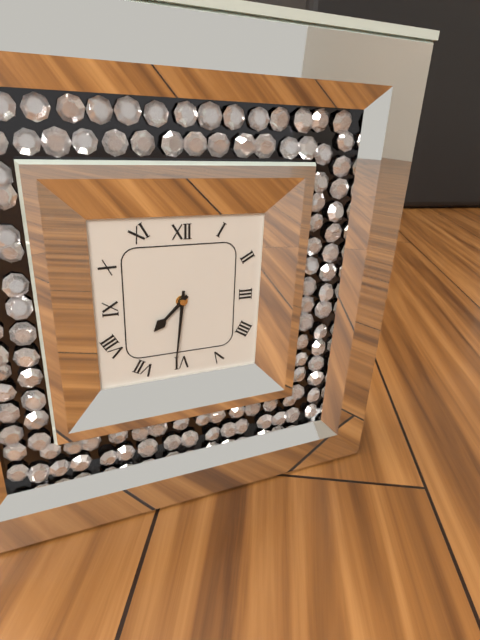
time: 7:31
